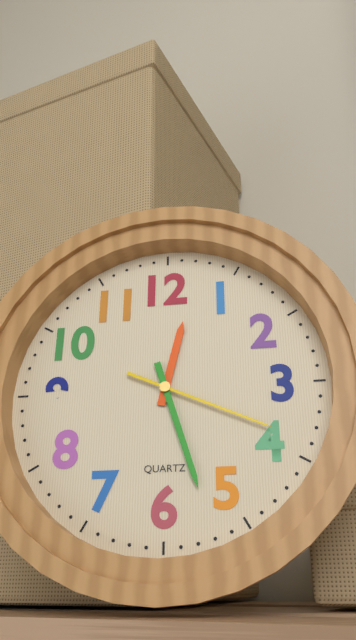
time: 12:27:19
